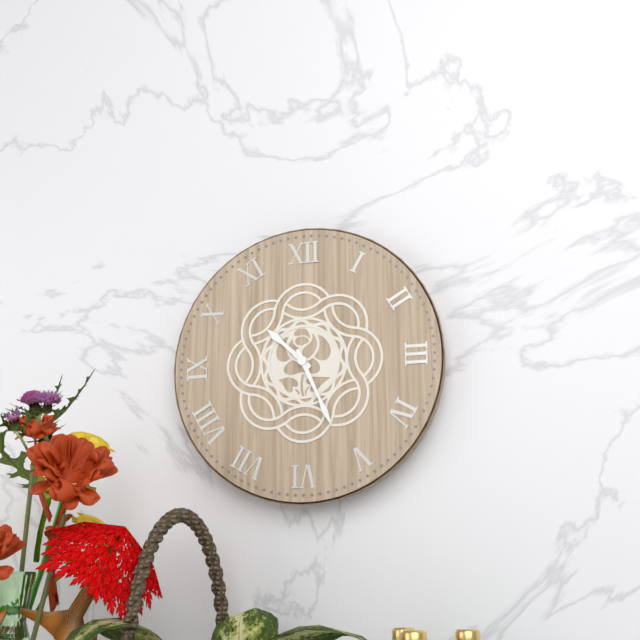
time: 10:26
